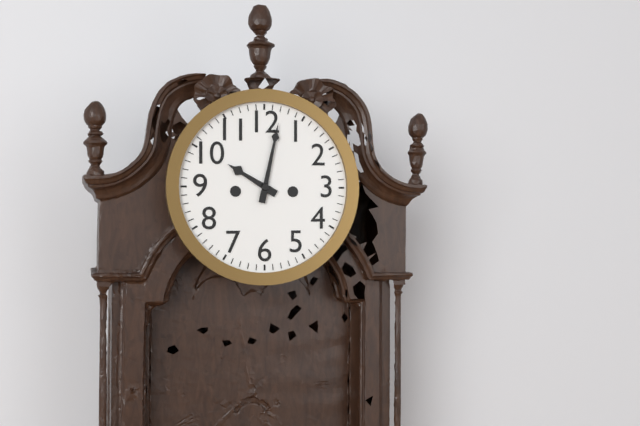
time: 10:02
